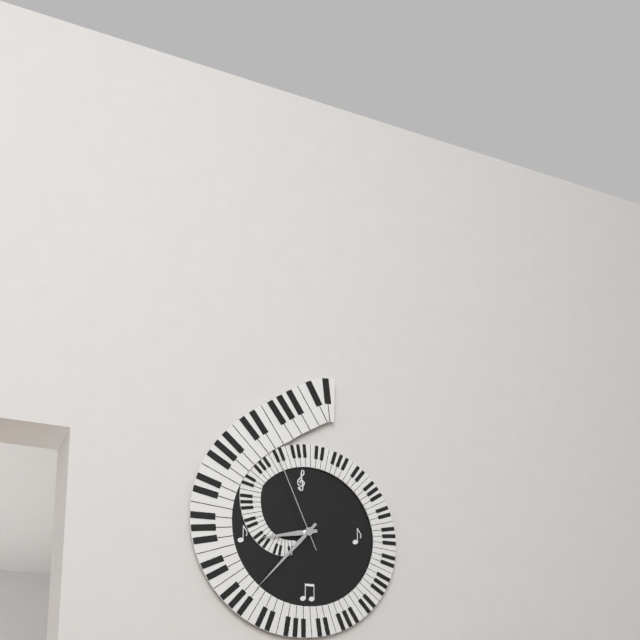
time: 8:37:56
